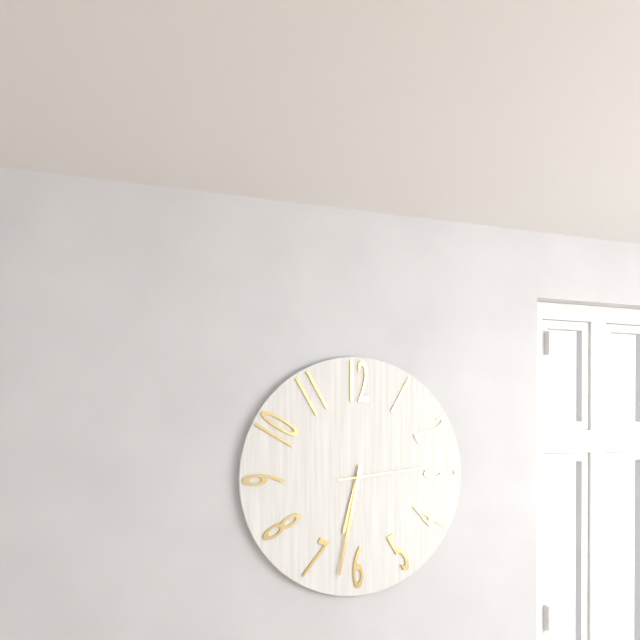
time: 6:32:14
